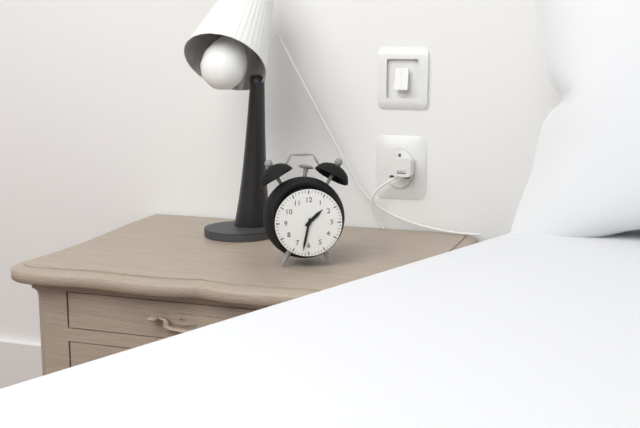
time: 1:32
